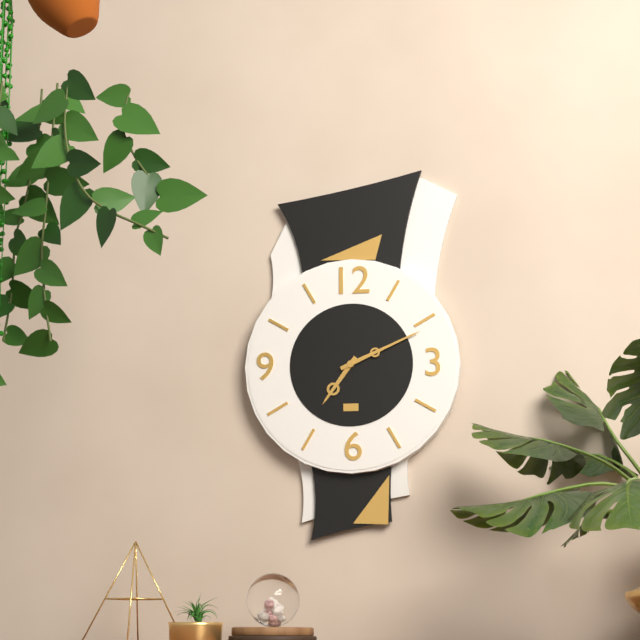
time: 7:11
